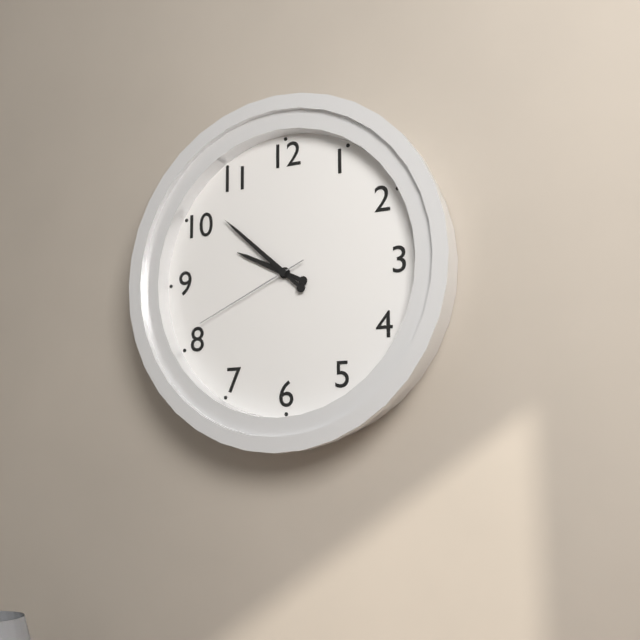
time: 9:52:41
